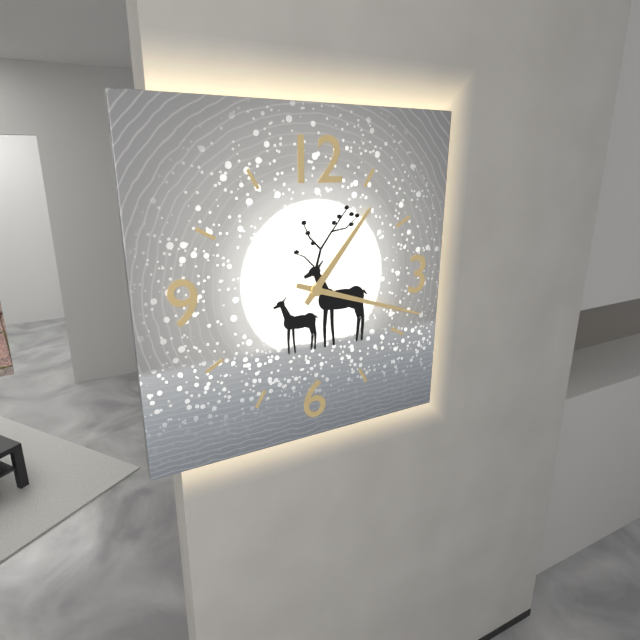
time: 1:18
